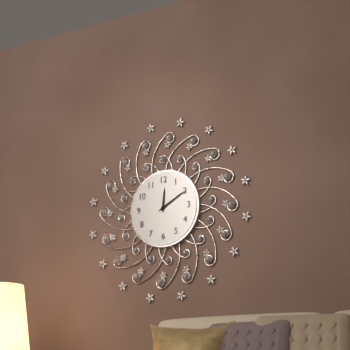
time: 12:10
